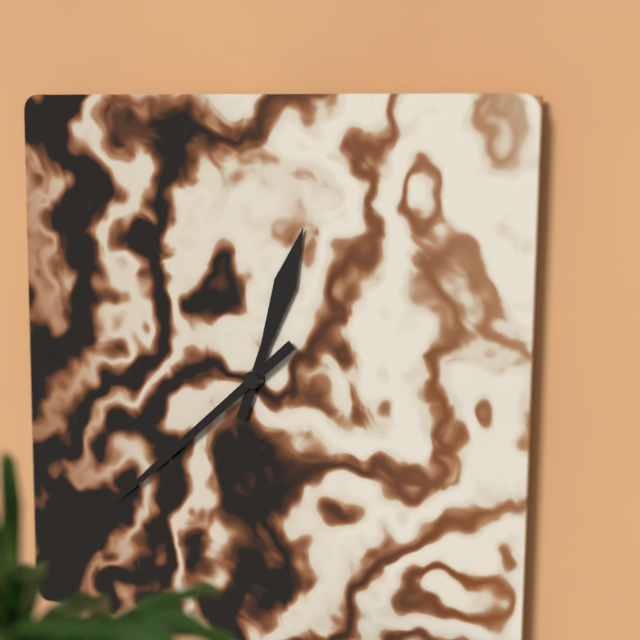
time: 12:38
